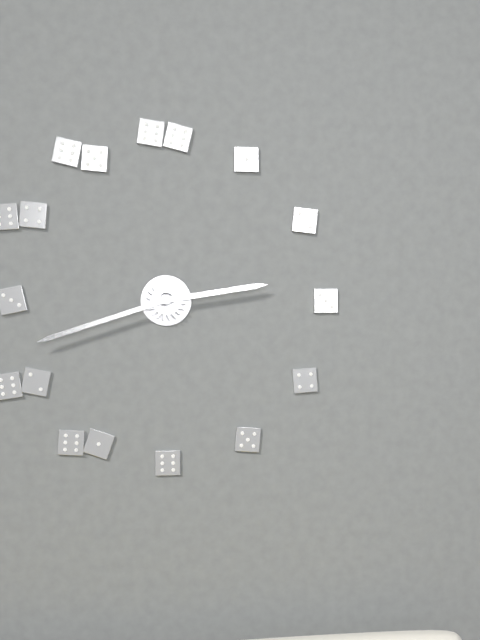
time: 2:42
